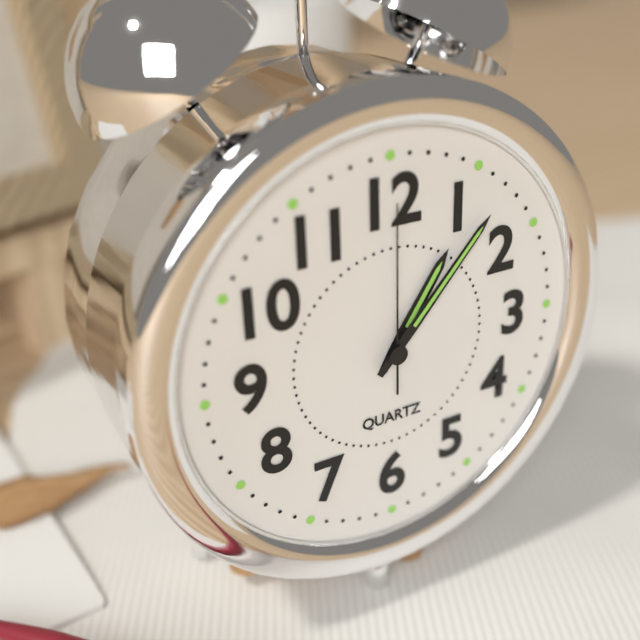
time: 1:07:00
